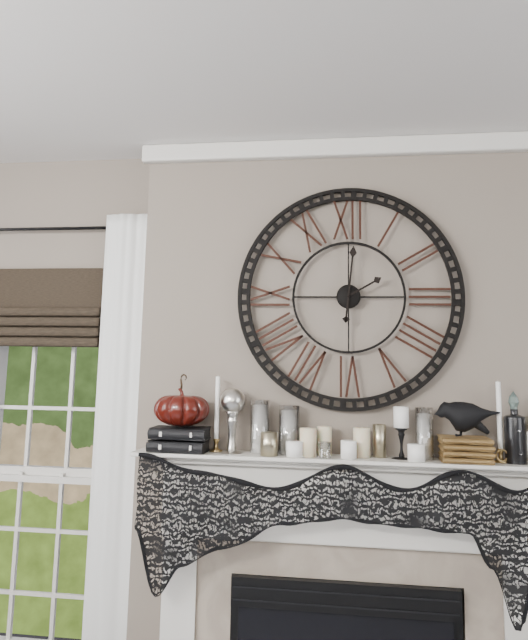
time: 2:01
